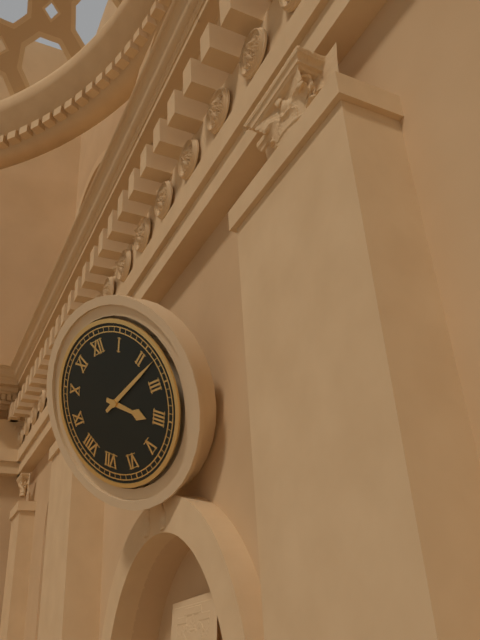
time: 4:12
